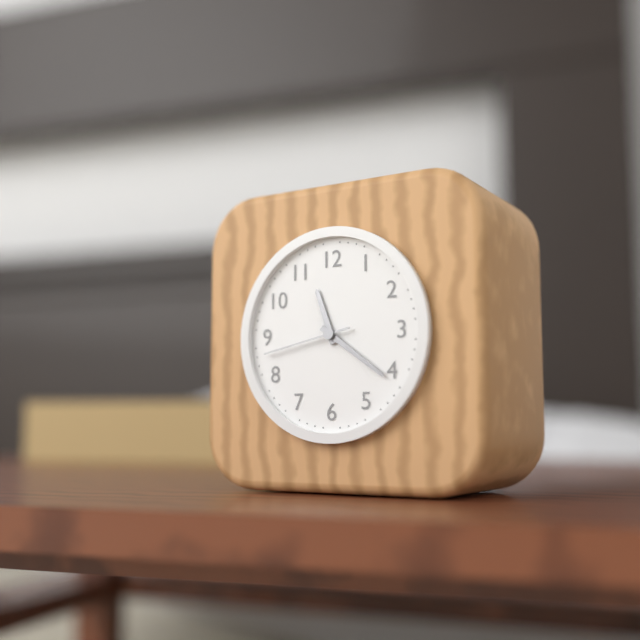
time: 11:21:43
